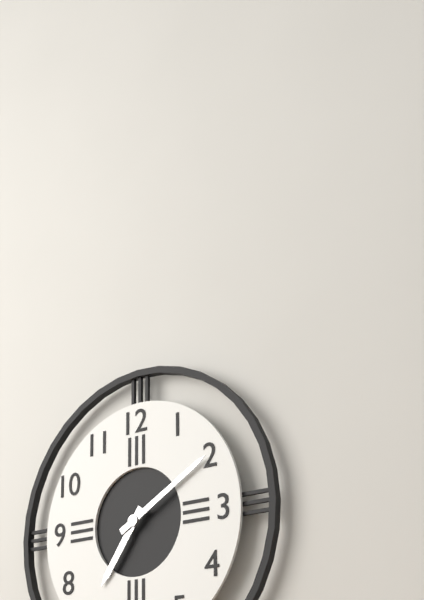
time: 7:10
